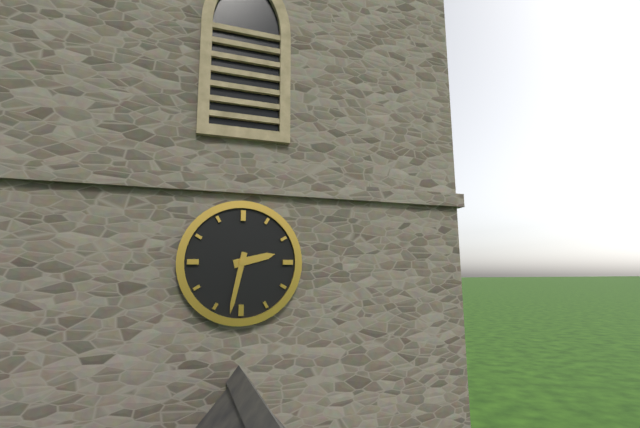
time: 2:32
